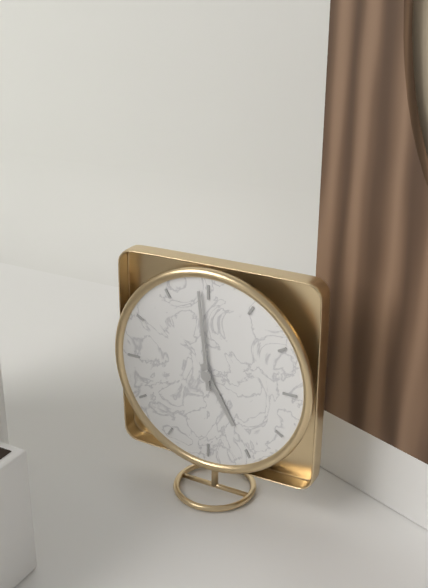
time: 4:59
